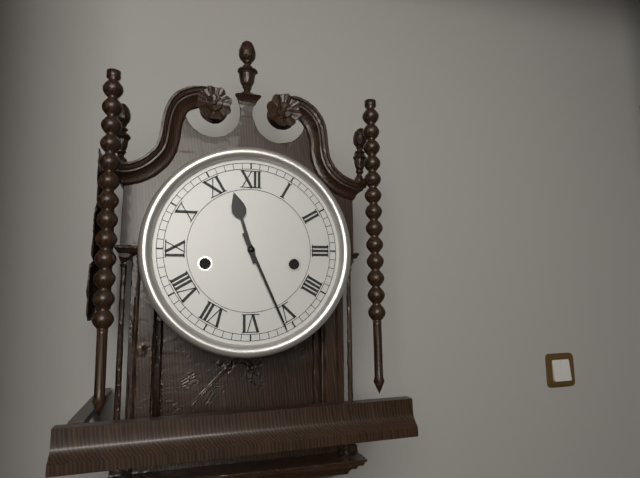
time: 11:26
